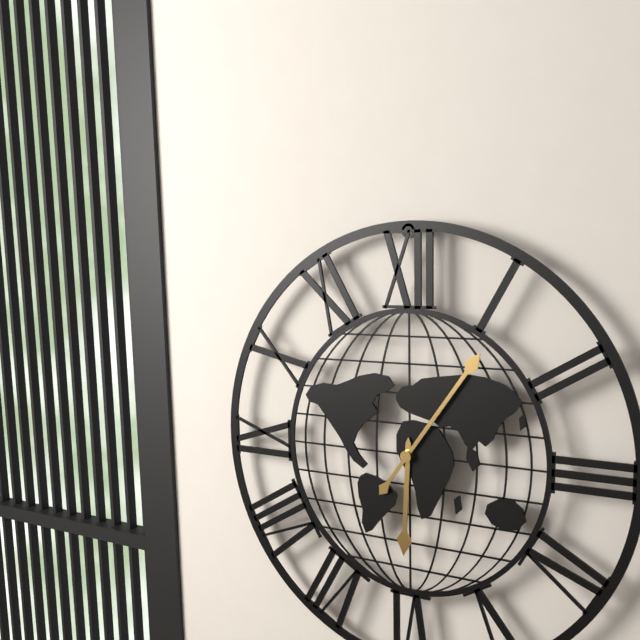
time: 6:06
